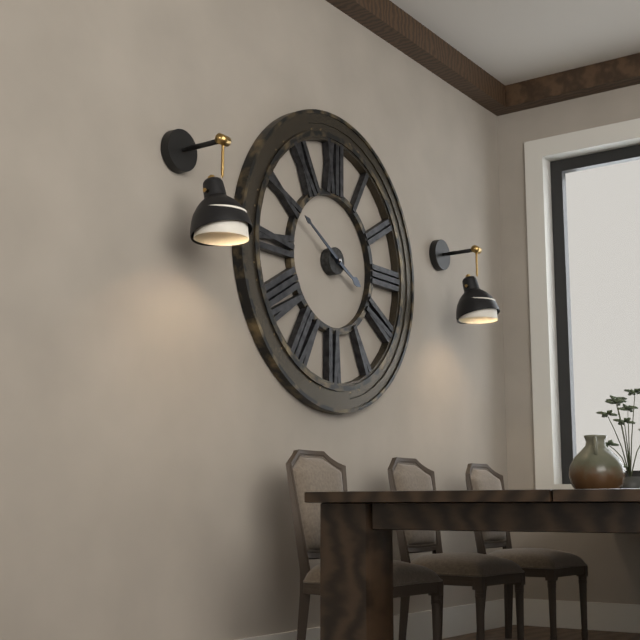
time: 3:50
